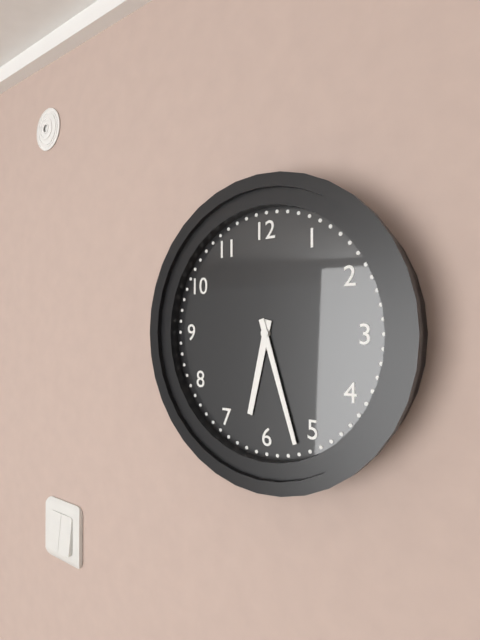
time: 6:27
